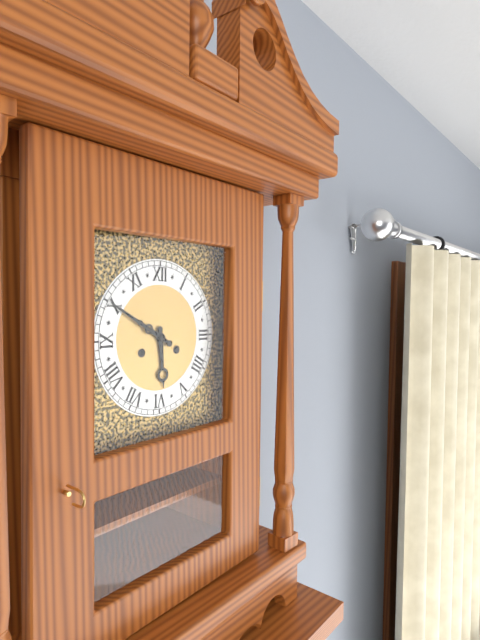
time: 5:50
